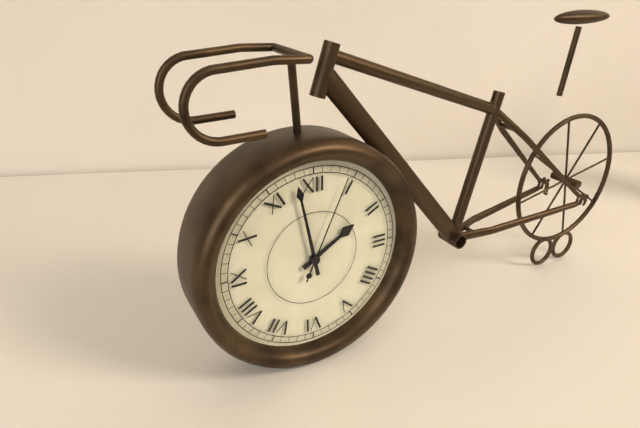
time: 1:58:04
